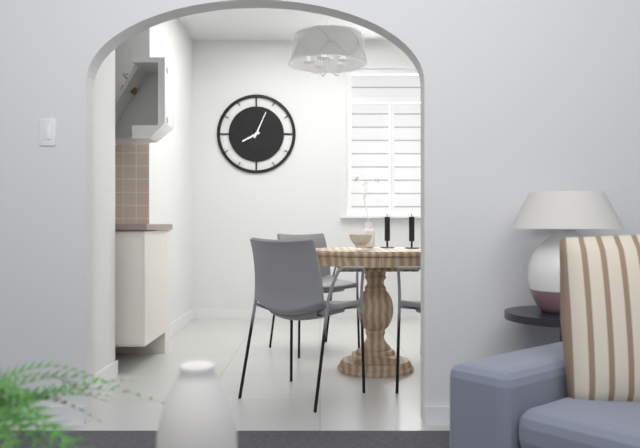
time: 8:04
